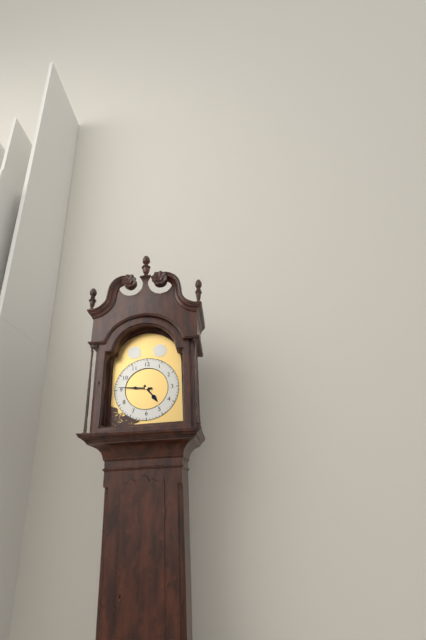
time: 4:46
